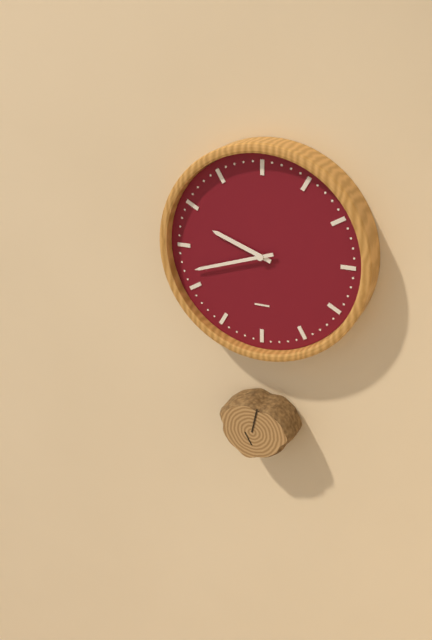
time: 9:42
